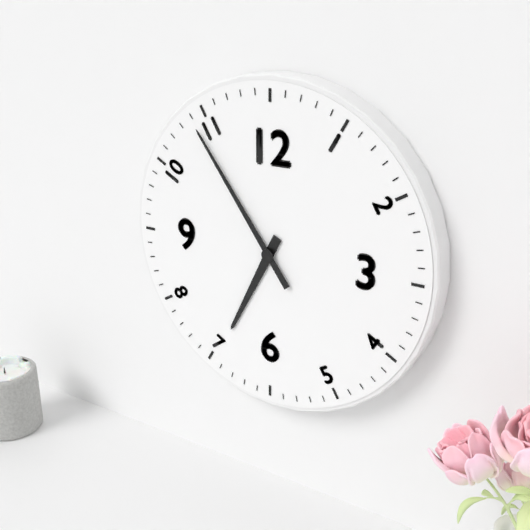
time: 6:54
